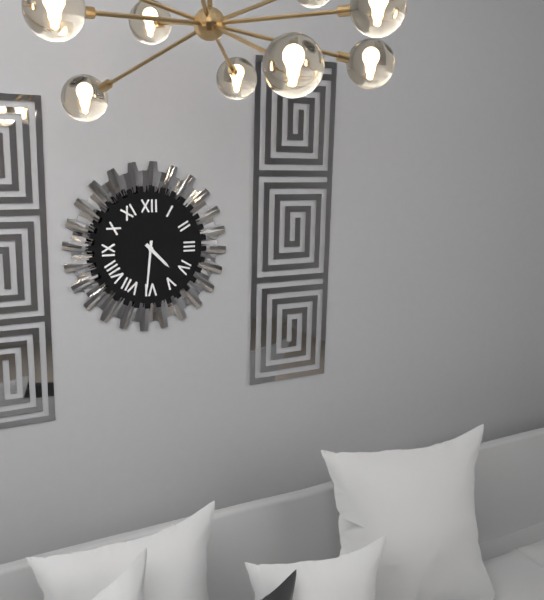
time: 4:31
